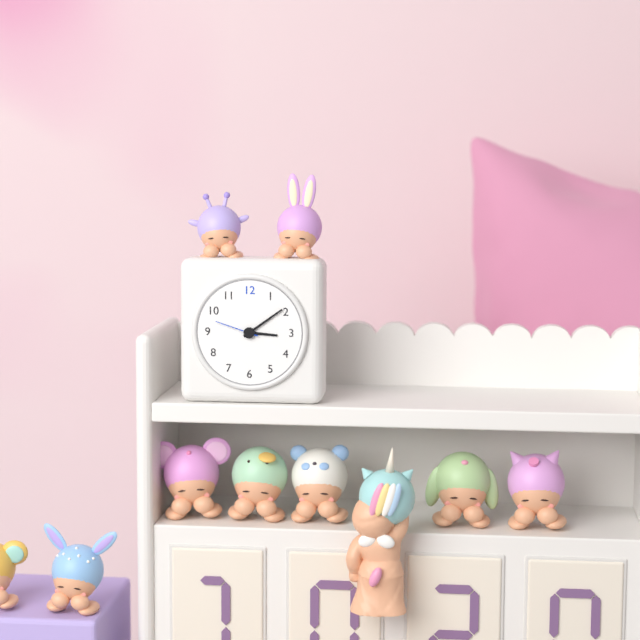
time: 3:09
